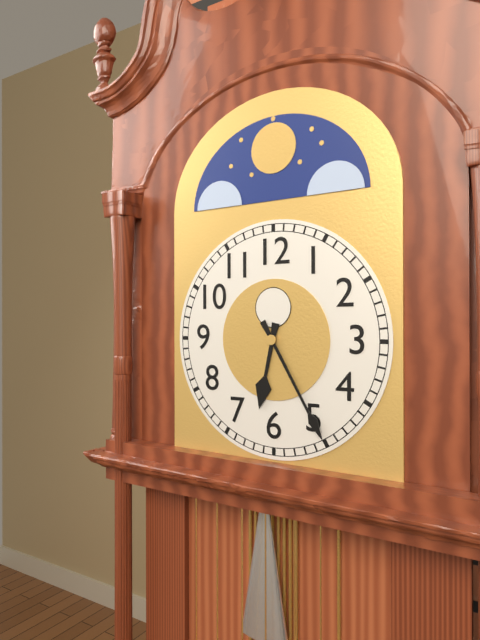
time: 6:25
